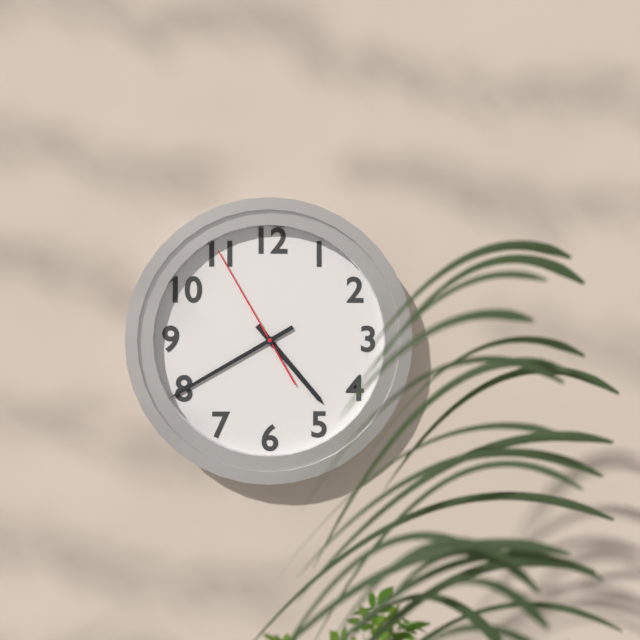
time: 4:40:55
